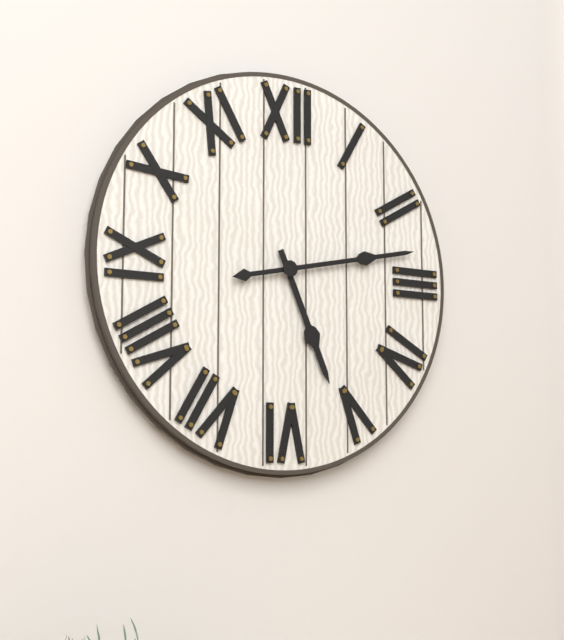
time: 5:13
